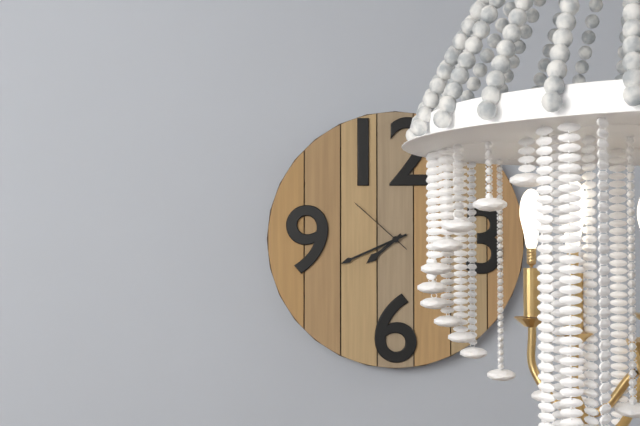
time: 7:41:52
